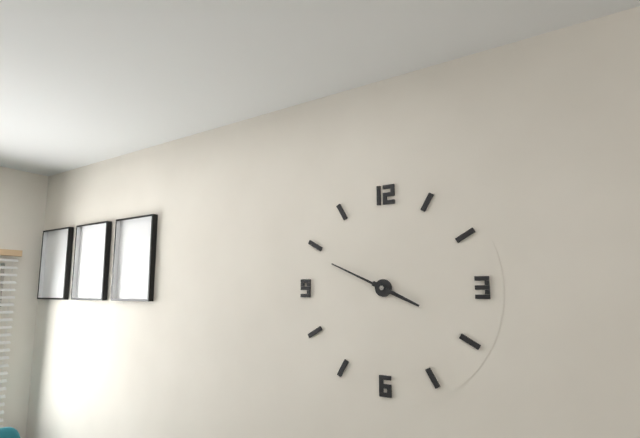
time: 3:49
